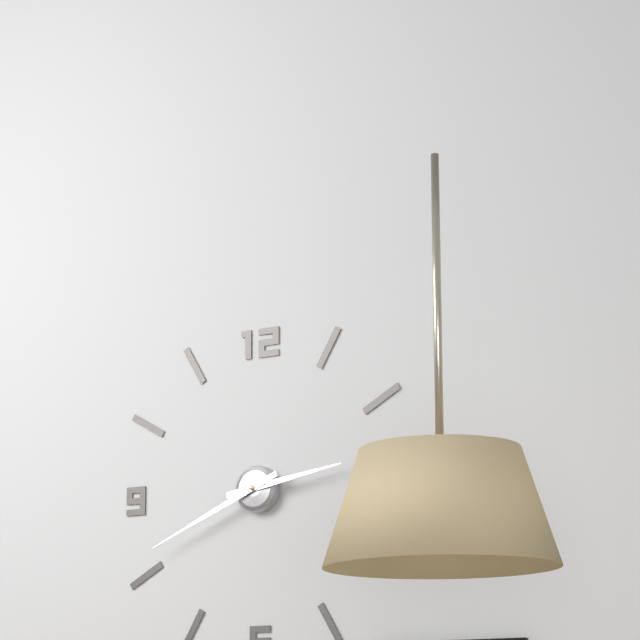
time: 2:41
